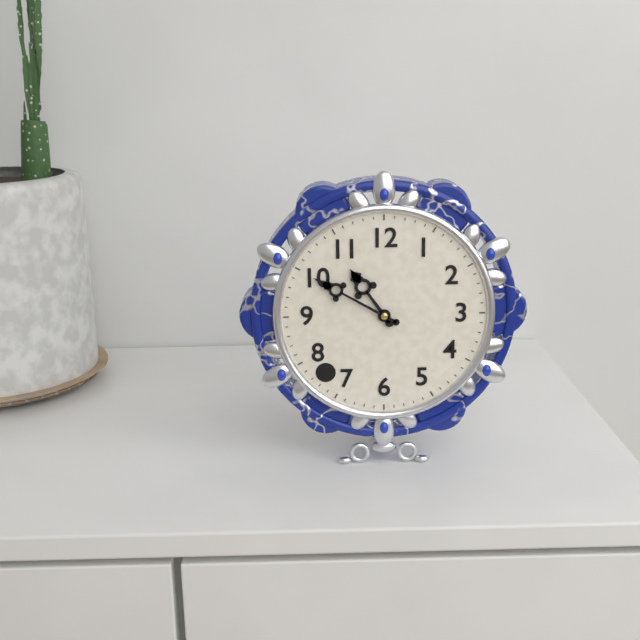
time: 10:50
